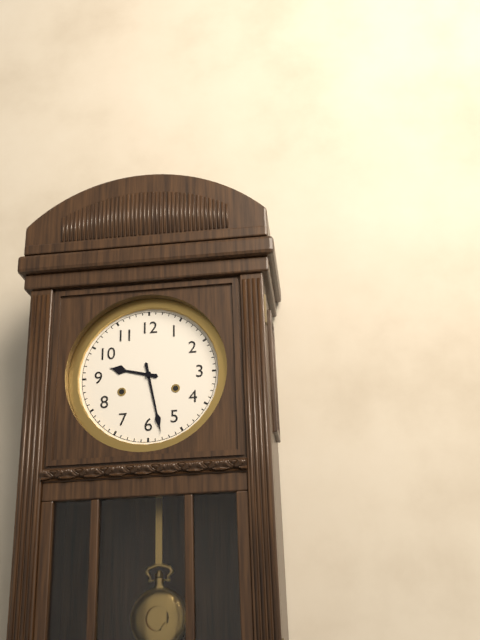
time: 9:28
